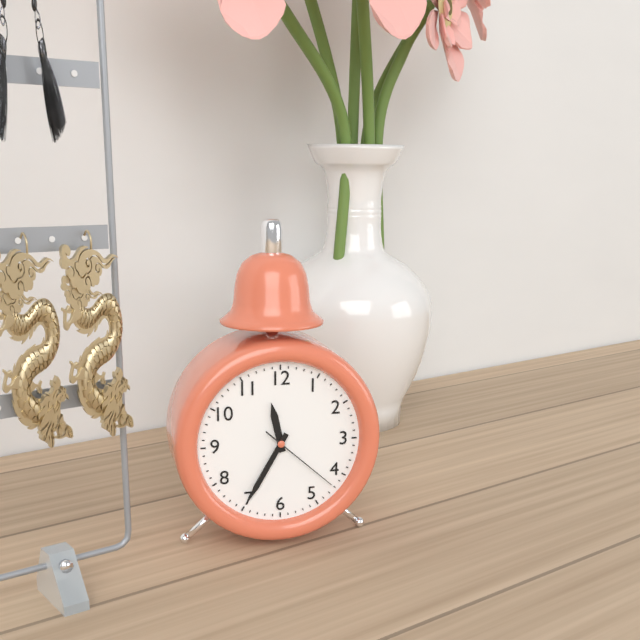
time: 11:35:22
